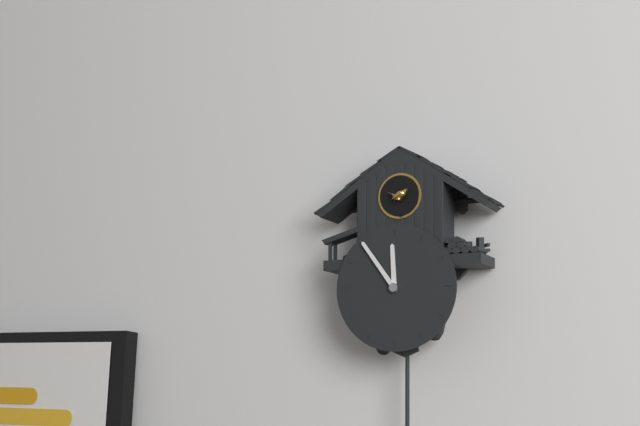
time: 11:54
